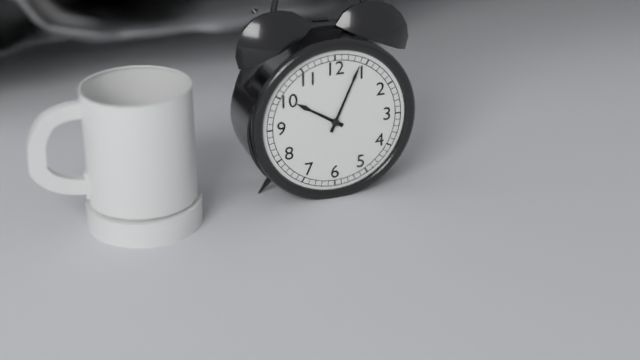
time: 10:04
